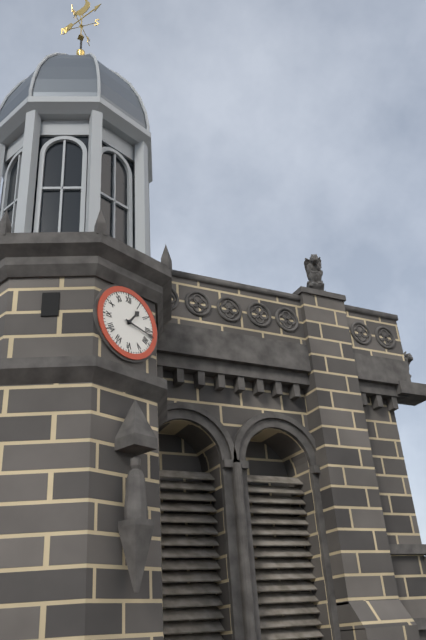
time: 1:17
